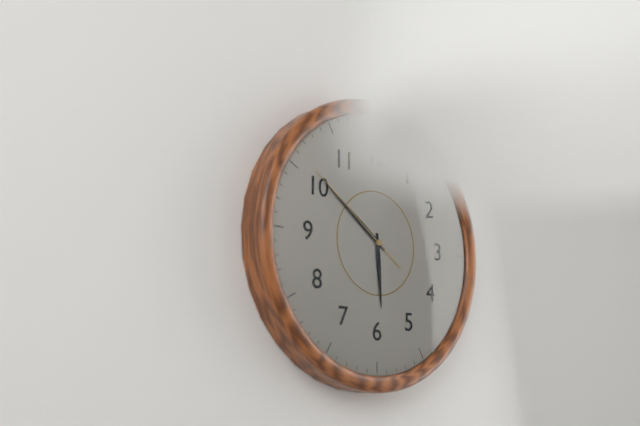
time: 5:51:51
